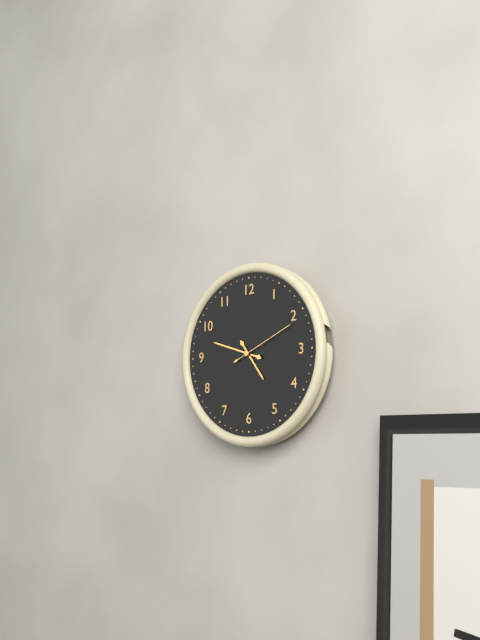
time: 4:48:11
